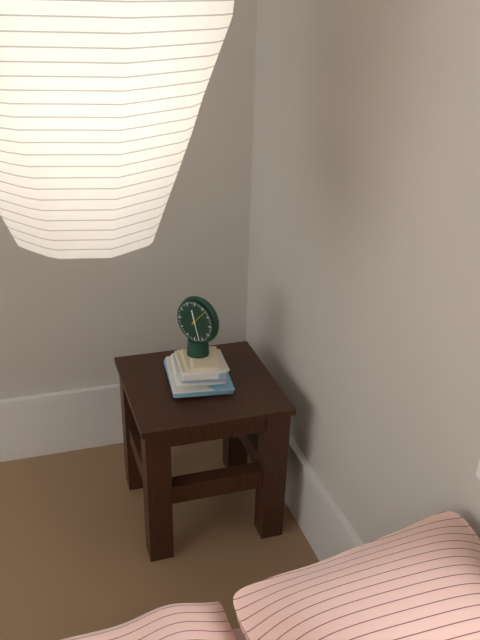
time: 11:27
